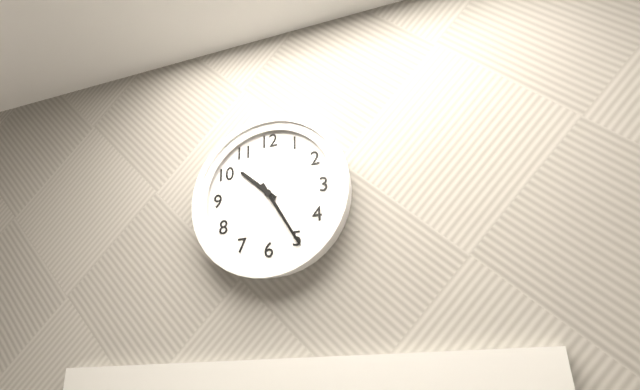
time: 10:25
